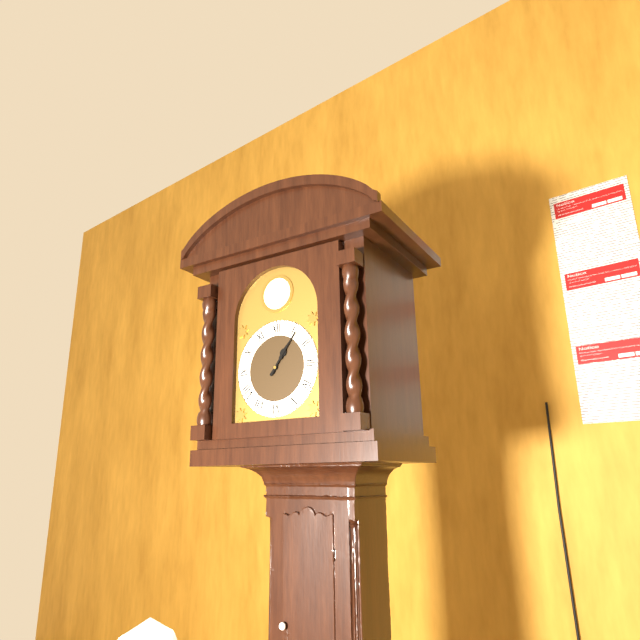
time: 1:06
